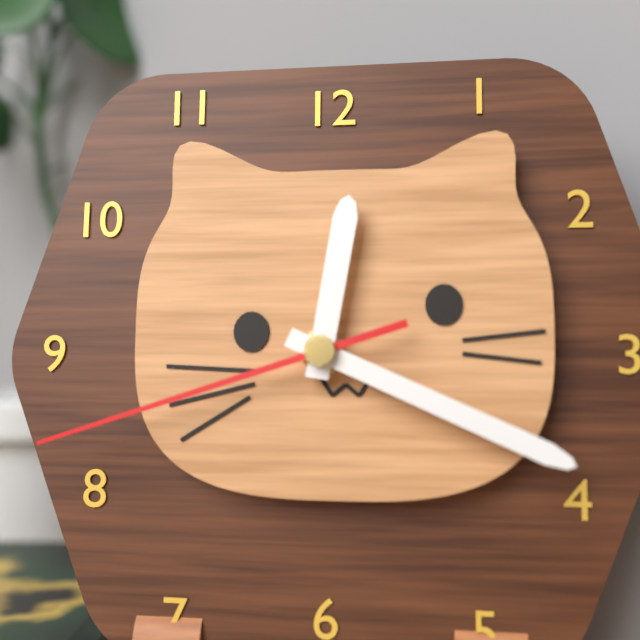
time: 12:19:42
